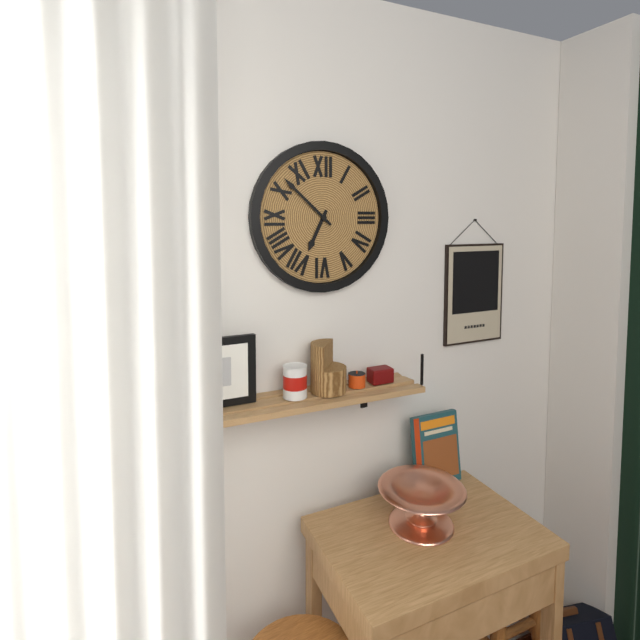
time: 6:52
